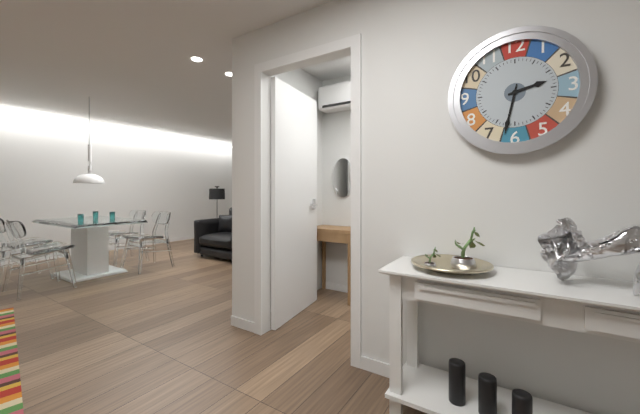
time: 2:32
